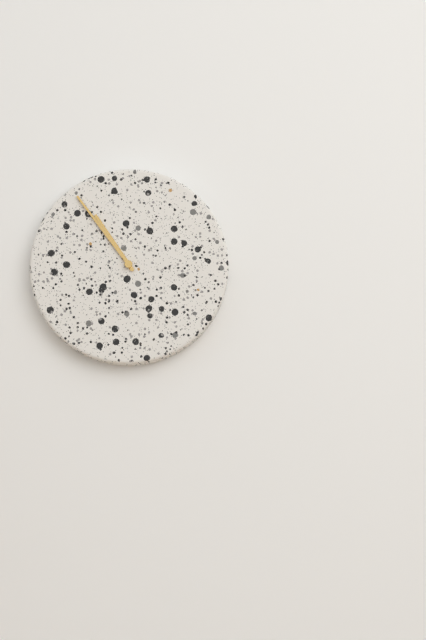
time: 10:54
